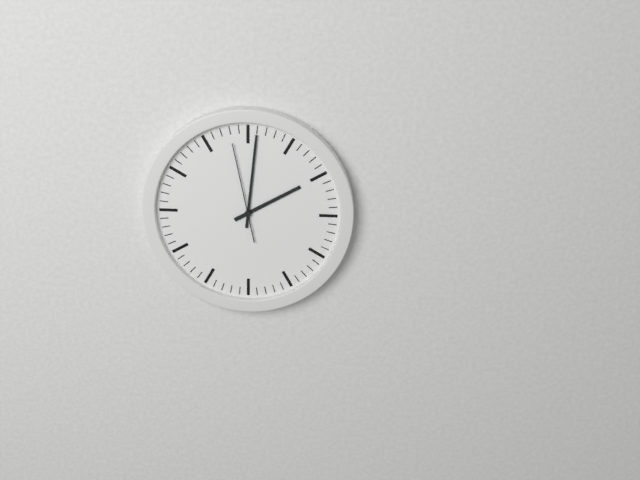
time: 2:01:58
